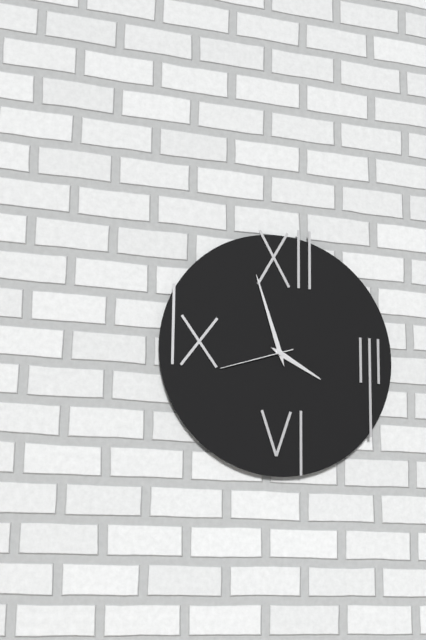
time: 3:57:42
